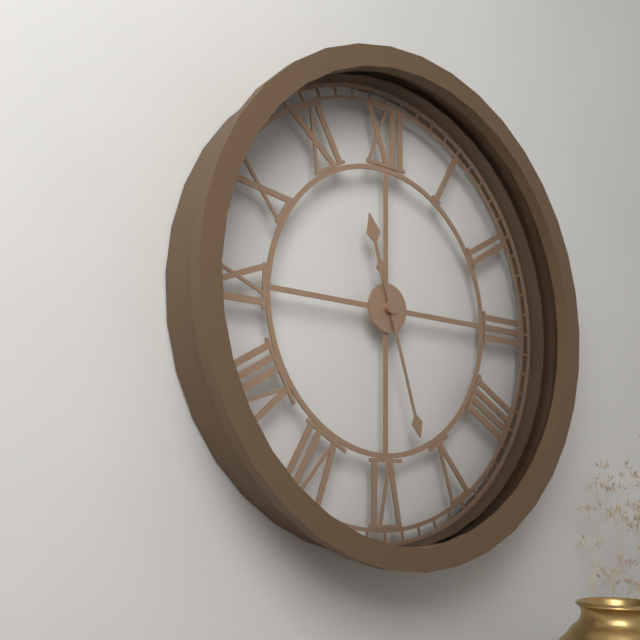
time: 11:27
